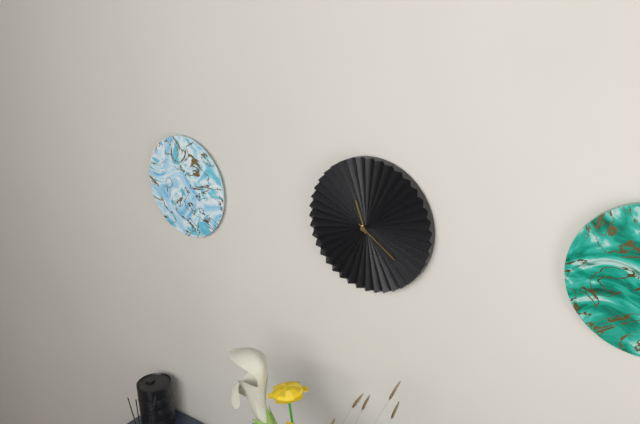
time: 11:21
